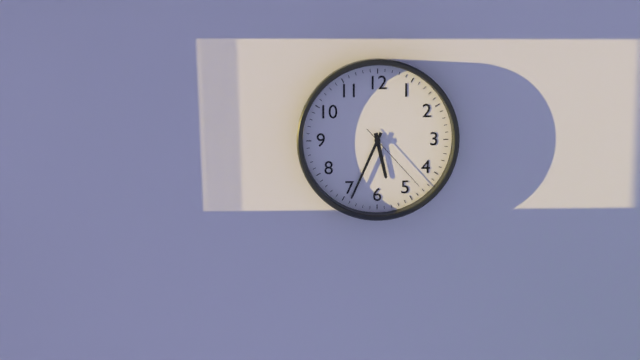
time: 5:34:23
